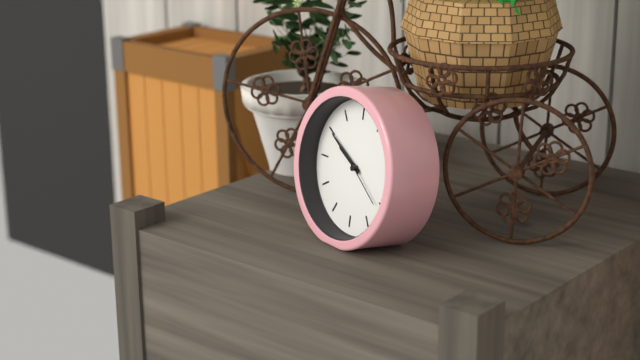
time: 9:50
